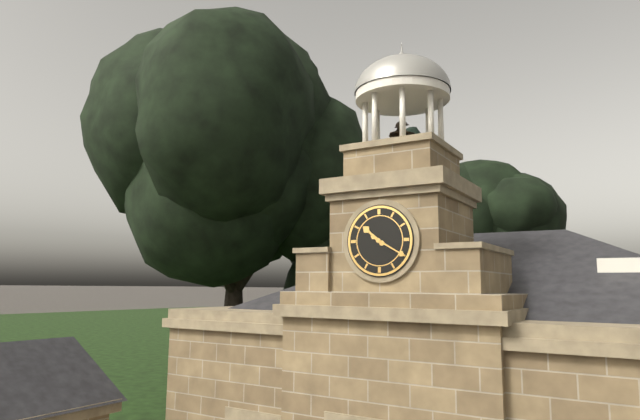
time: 10:20
